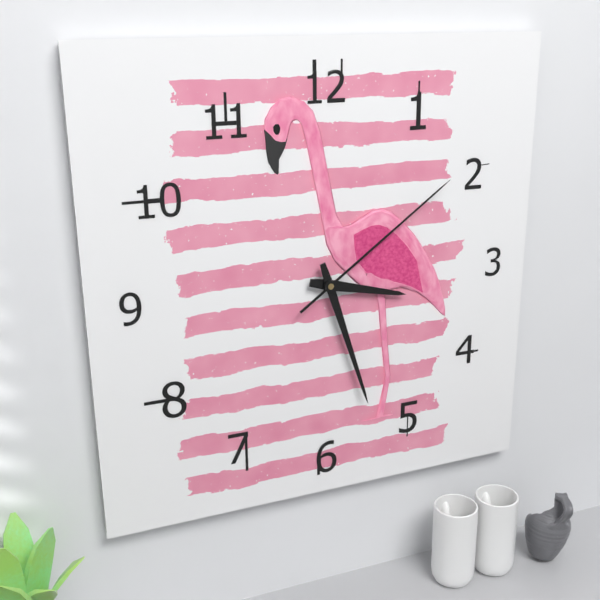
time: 3:27:09
